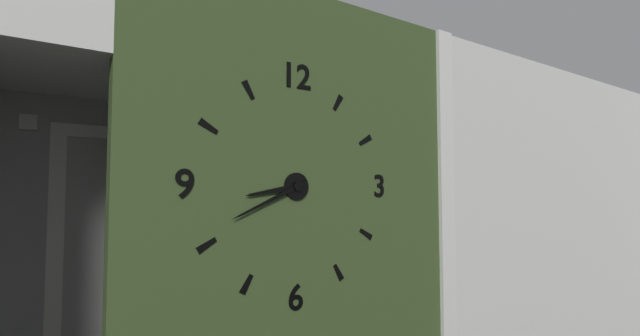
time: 8:41
